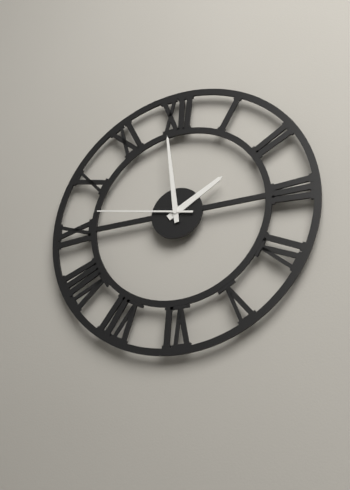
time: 1:59:47
